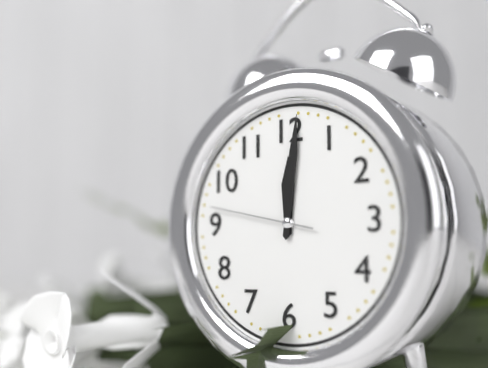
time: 12:01:47
